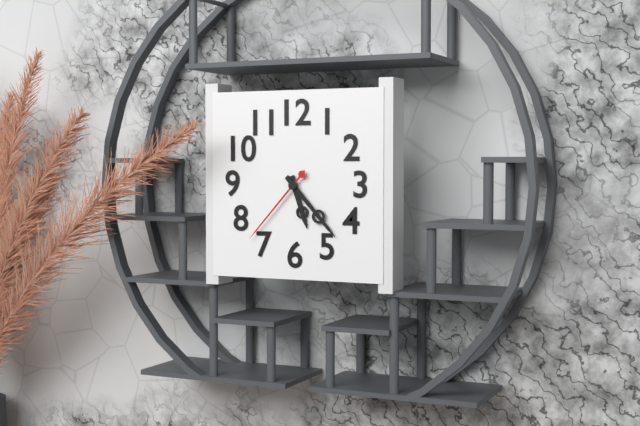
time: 5:23:37
